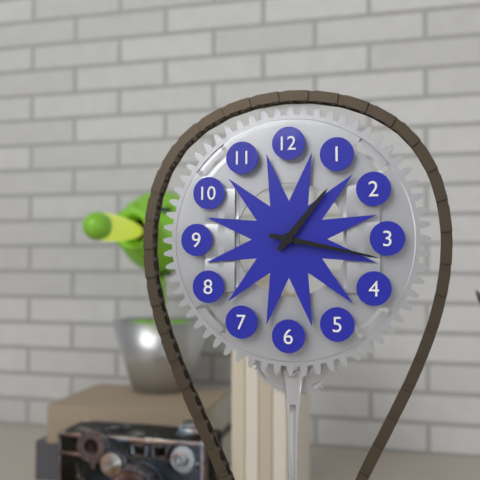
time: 1:17
